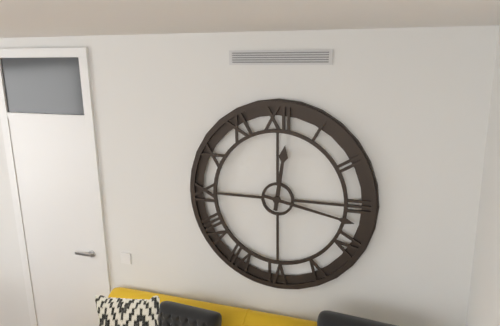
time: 12:17
